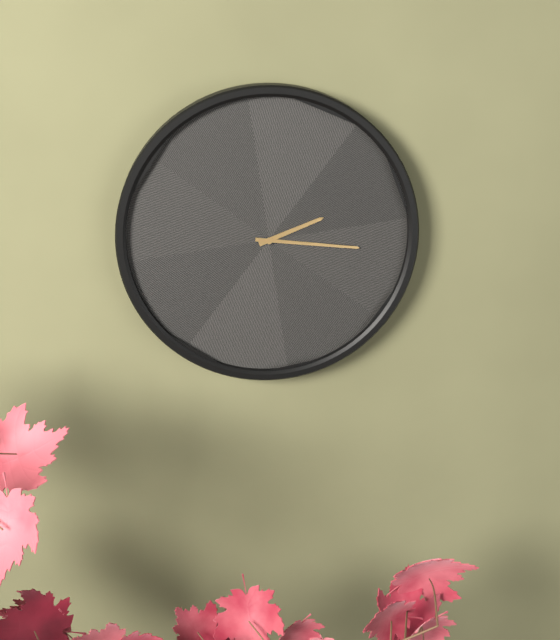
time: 2:16
